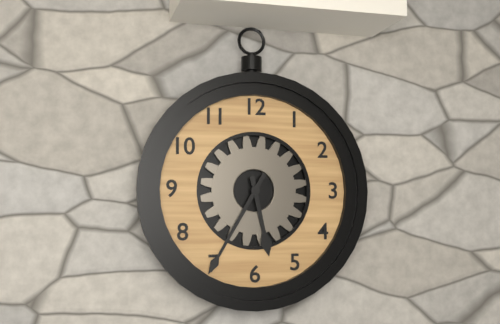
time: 5:35
